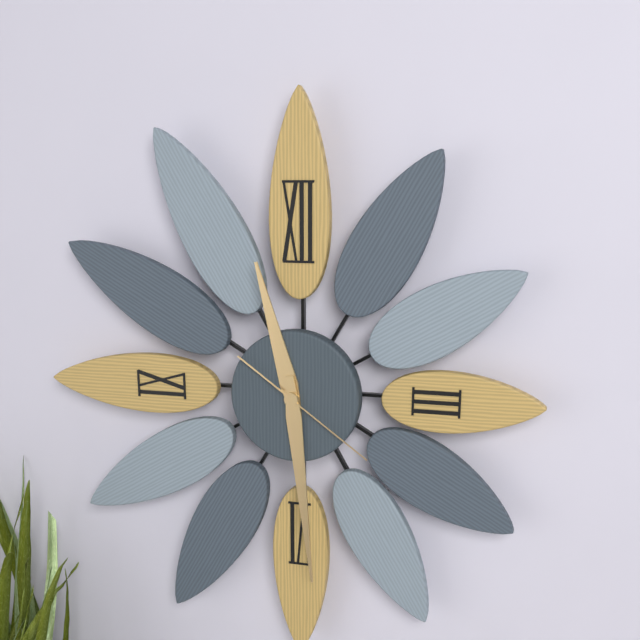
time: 11:29:21
